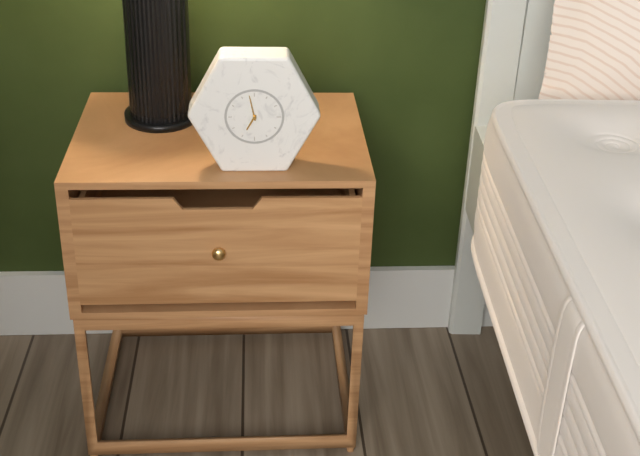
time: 6:58
